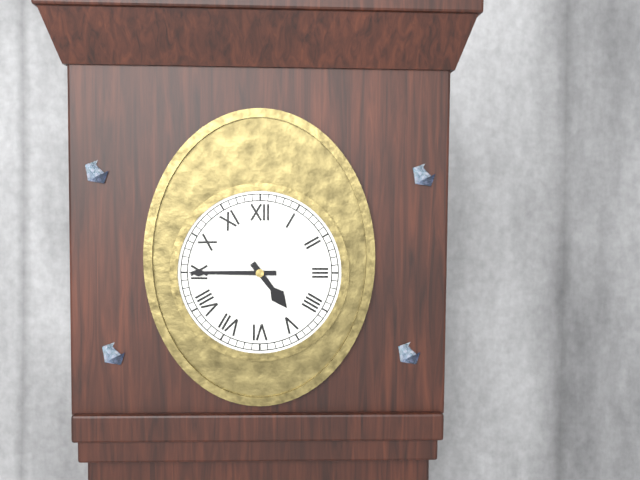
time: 4:45
